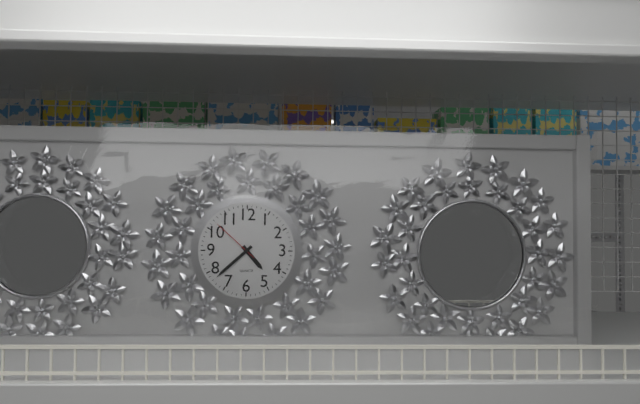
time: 4:38:52
